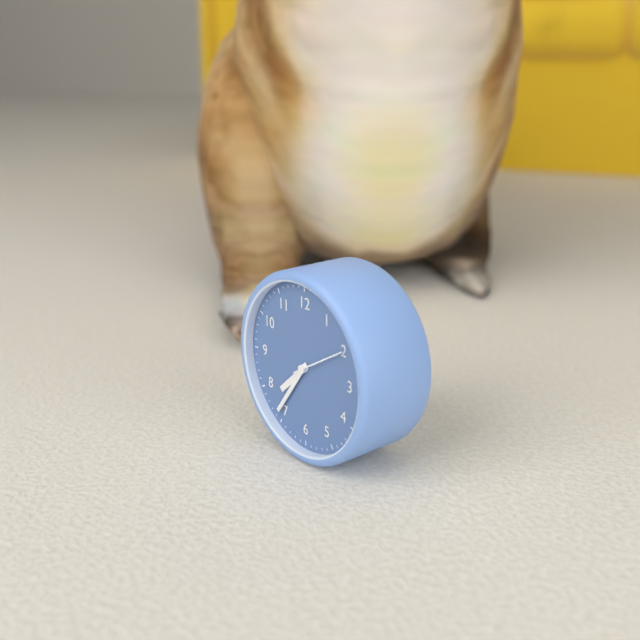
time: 7:36
